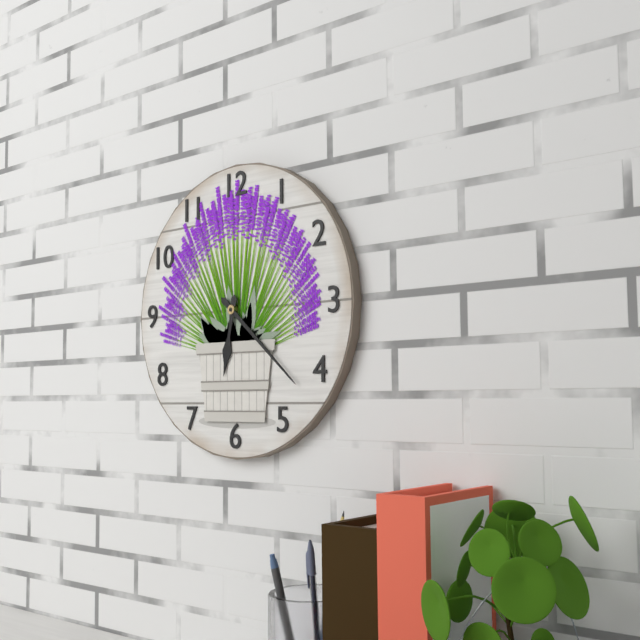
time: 6:22
